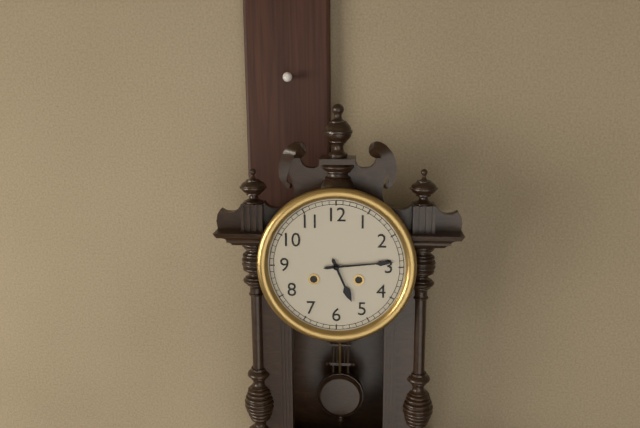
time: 5:14
